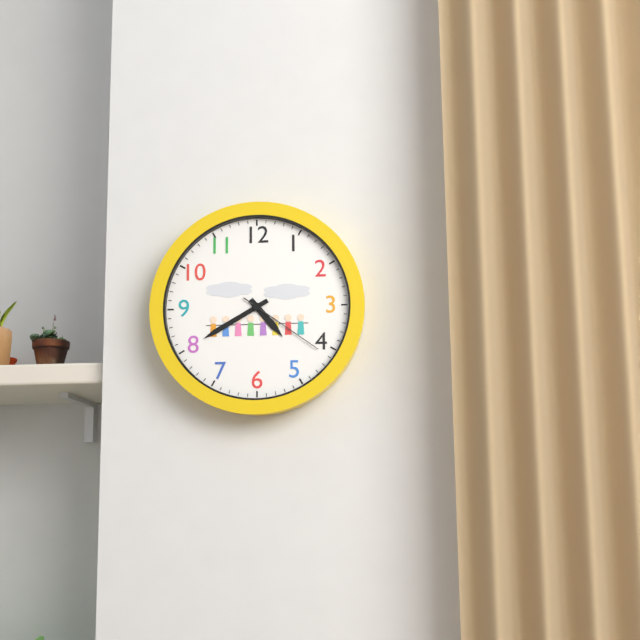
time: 4:40:21
